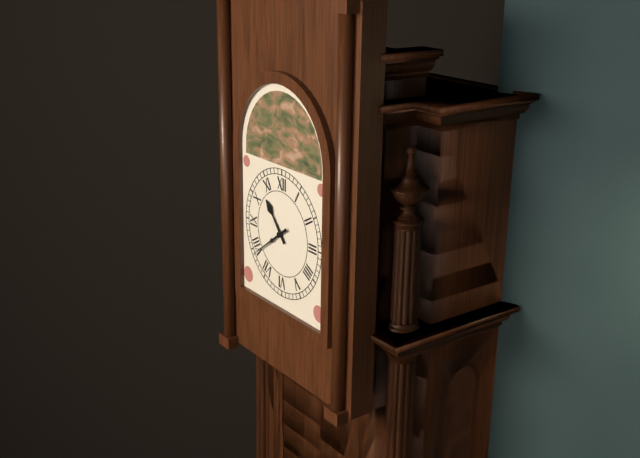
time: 10:39
